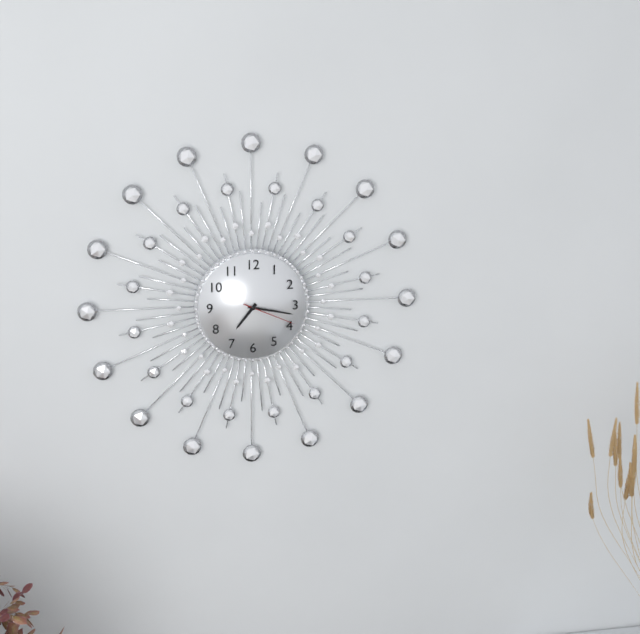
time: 7:17:19
